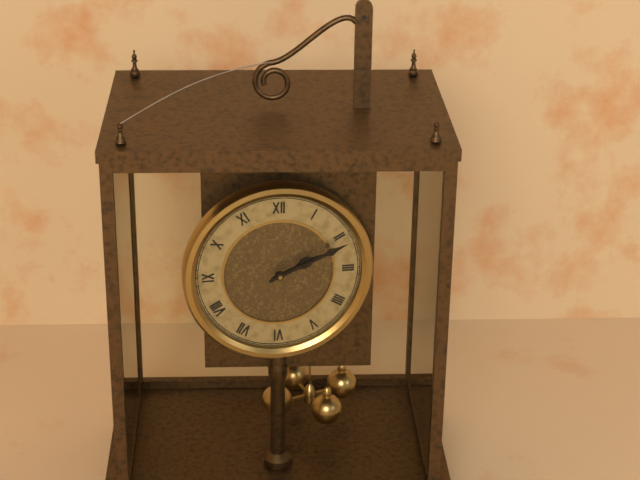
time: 2:11
